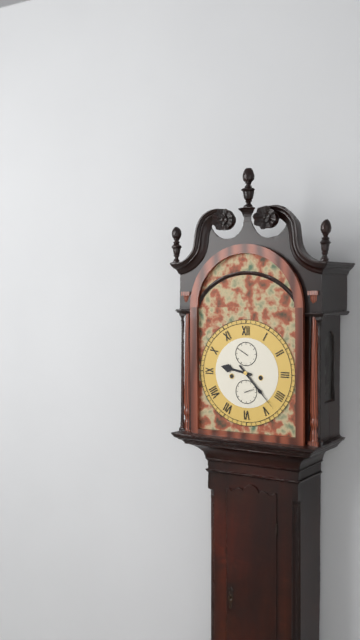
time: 9:23
